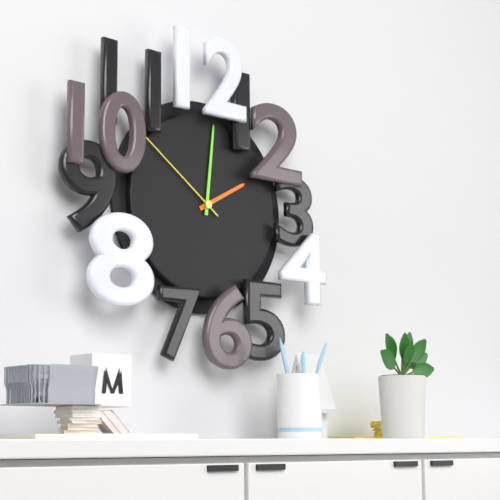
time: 2:01:51
